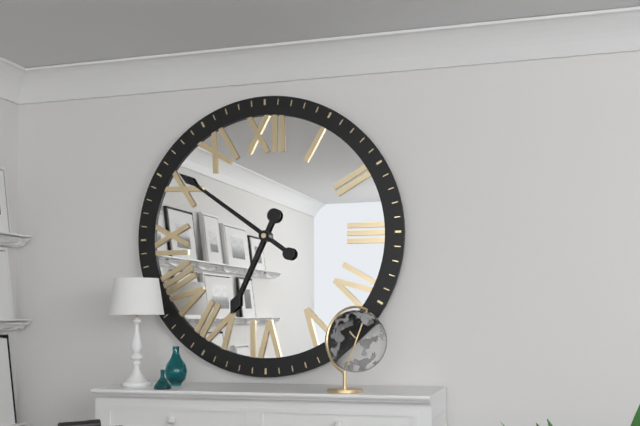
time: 6:51
